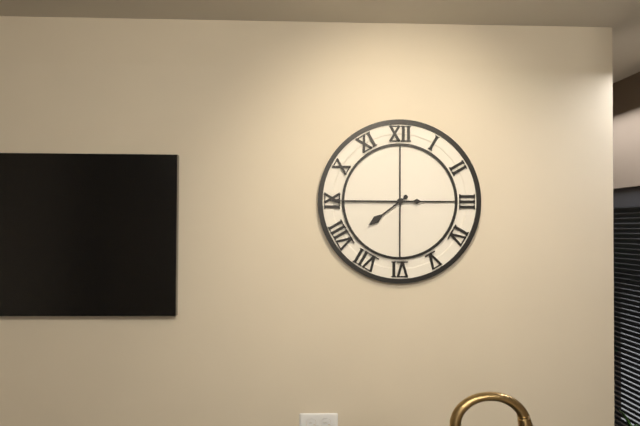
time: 7:45
